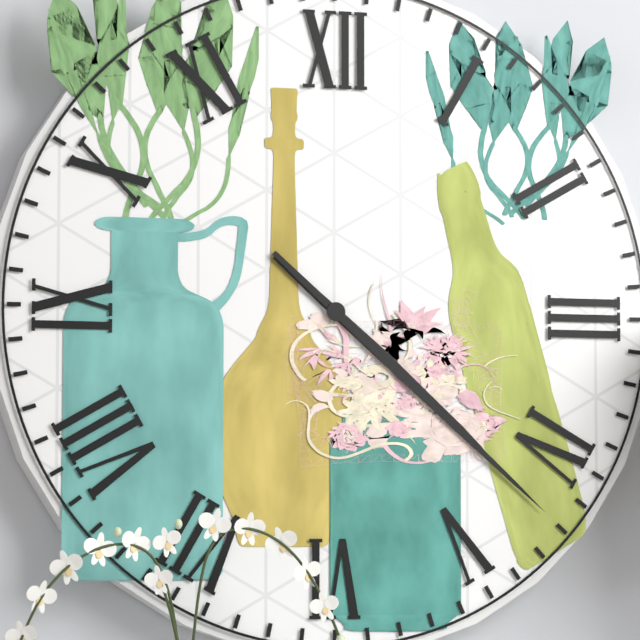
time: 4:22
